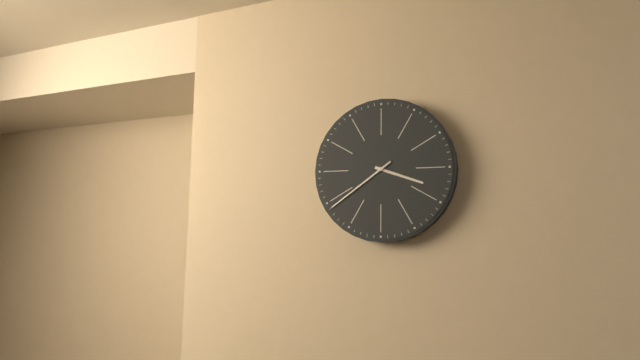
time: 3:39
